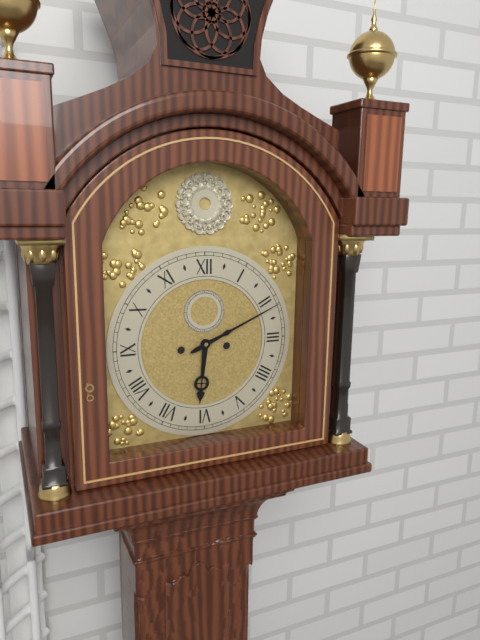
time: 6:11
